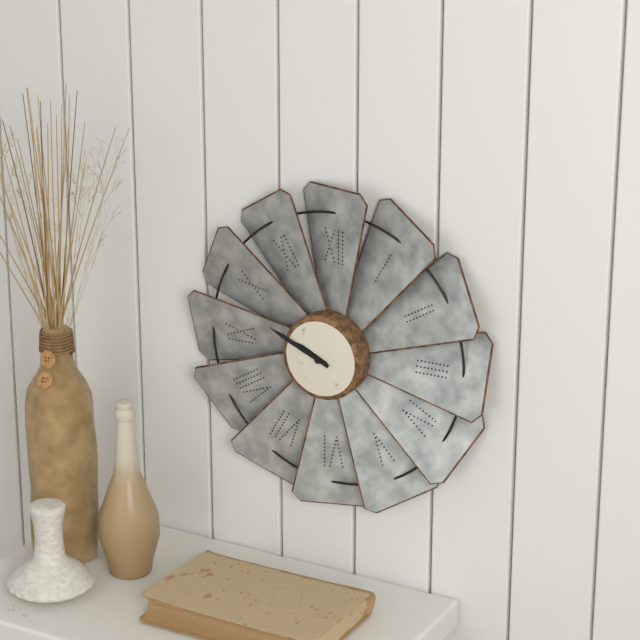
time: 9:49
